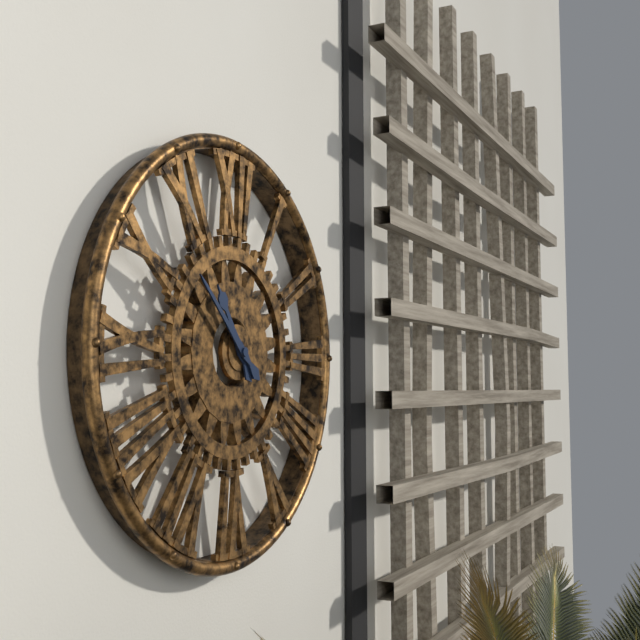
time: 10:52
